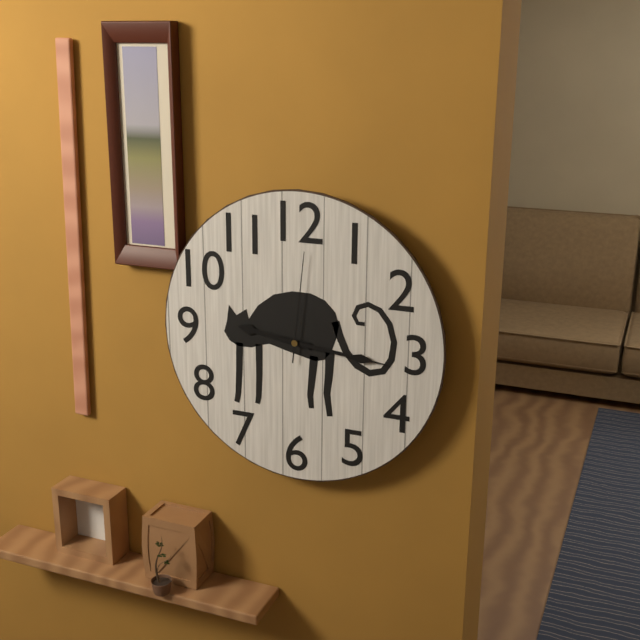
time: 9:16:01
